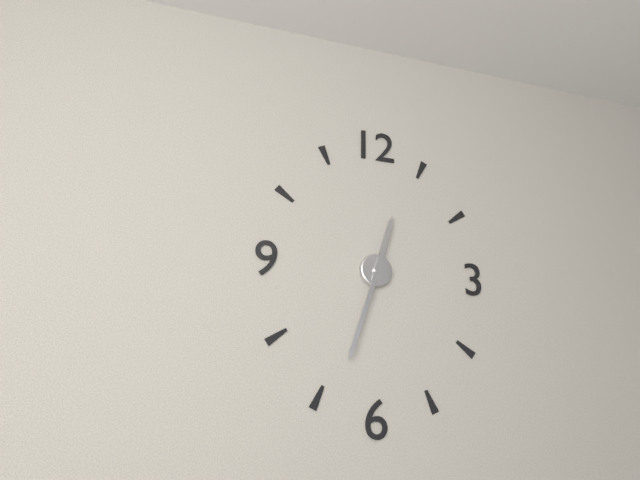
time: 12:33
